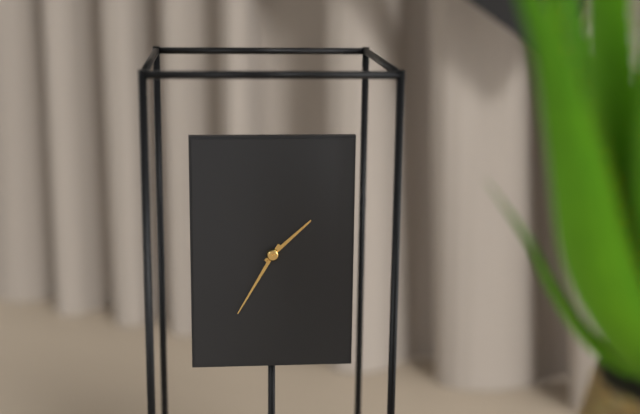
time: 1:35
